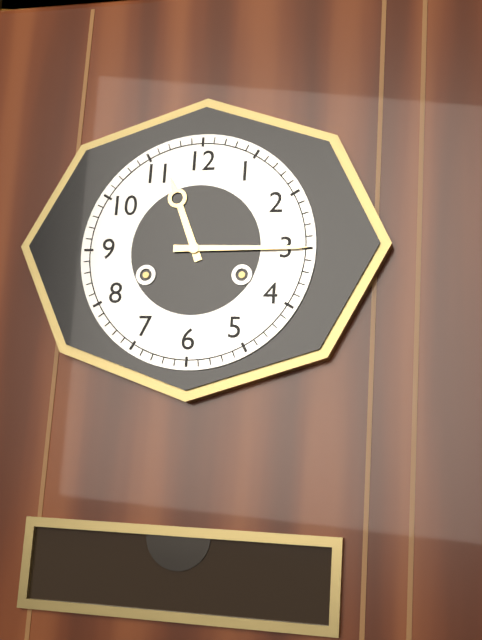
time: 11:15
